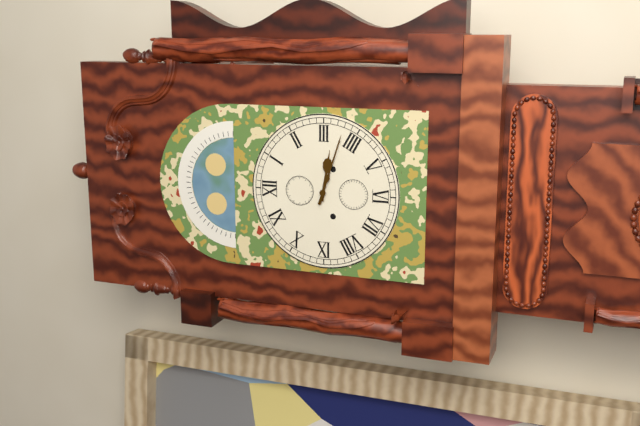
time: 3:18
